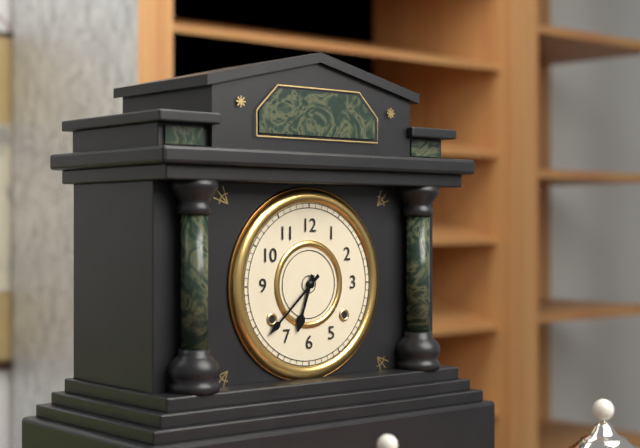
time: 6:38
